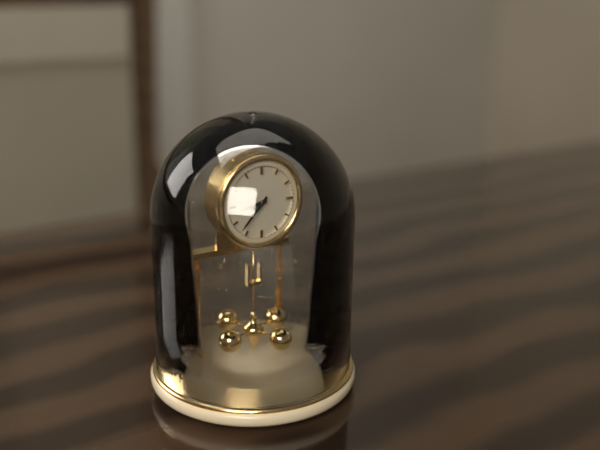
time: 8:37
